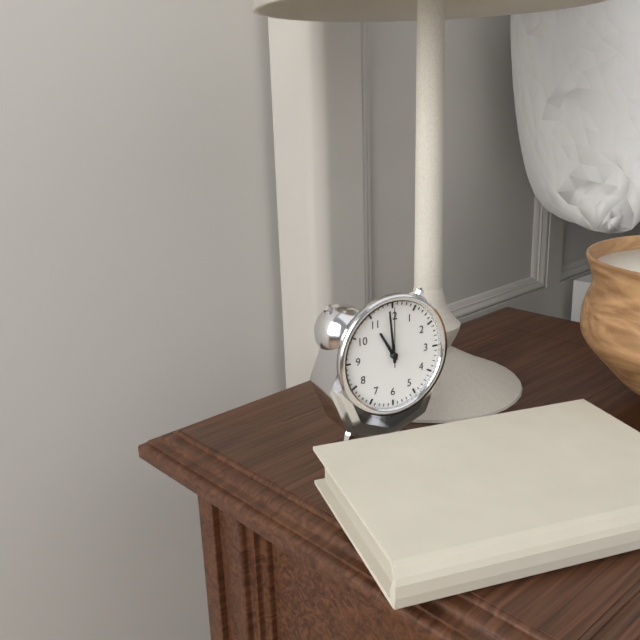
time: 10:59:00
